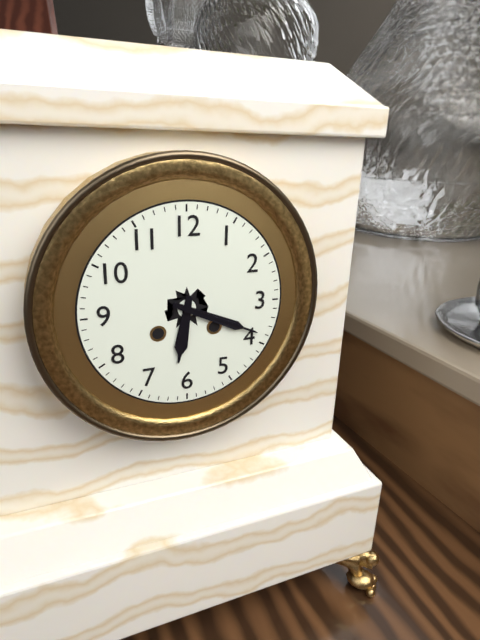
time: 6:19
